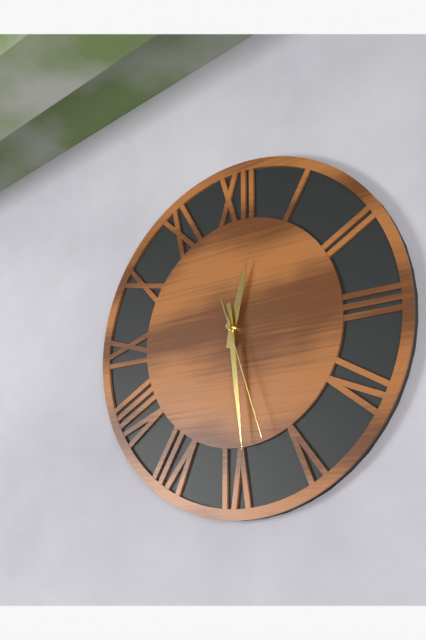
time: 12:29:27
